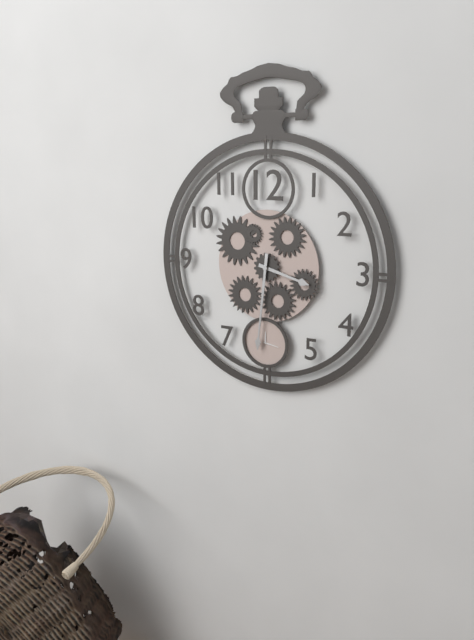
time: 3:31
